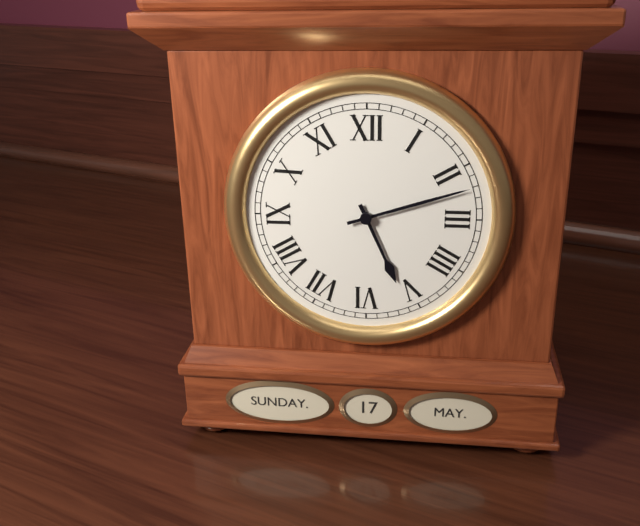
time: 5:12
